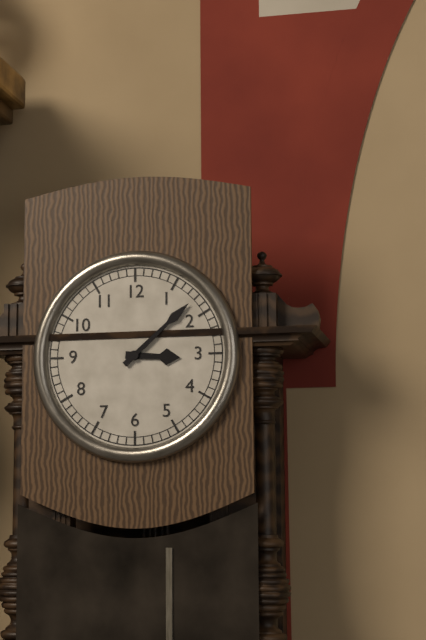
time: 3:08
